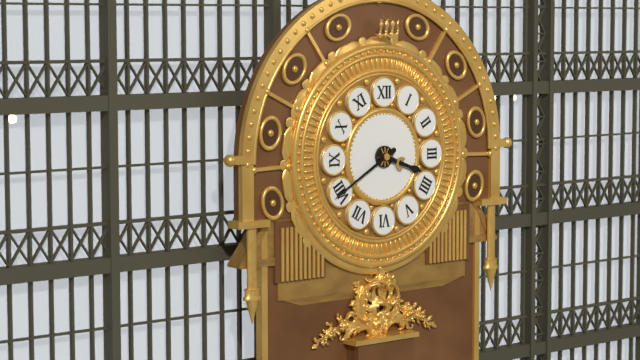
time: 3:40
